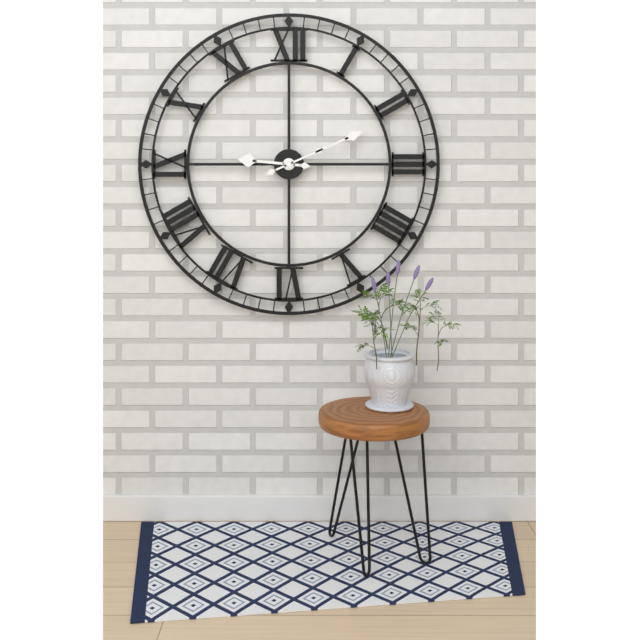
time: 9:11
